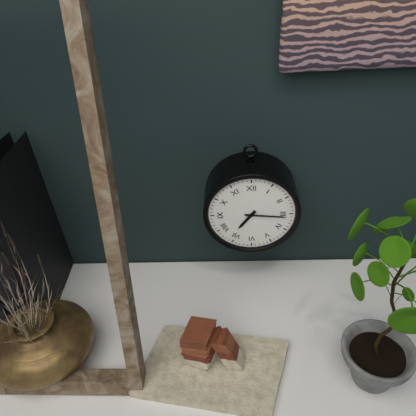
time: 7:16
